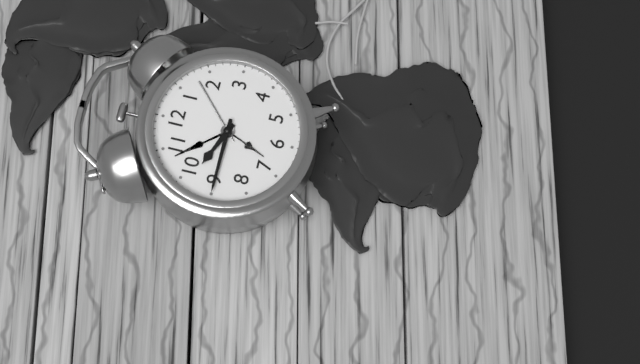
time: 9:45
